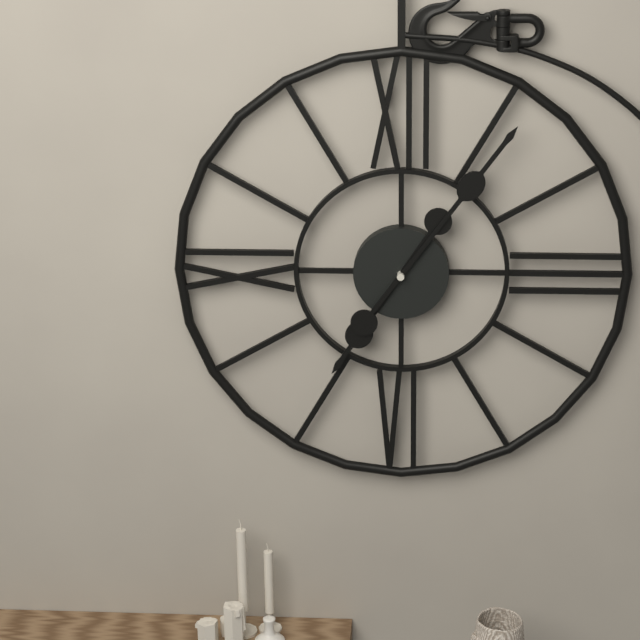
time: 7:06
